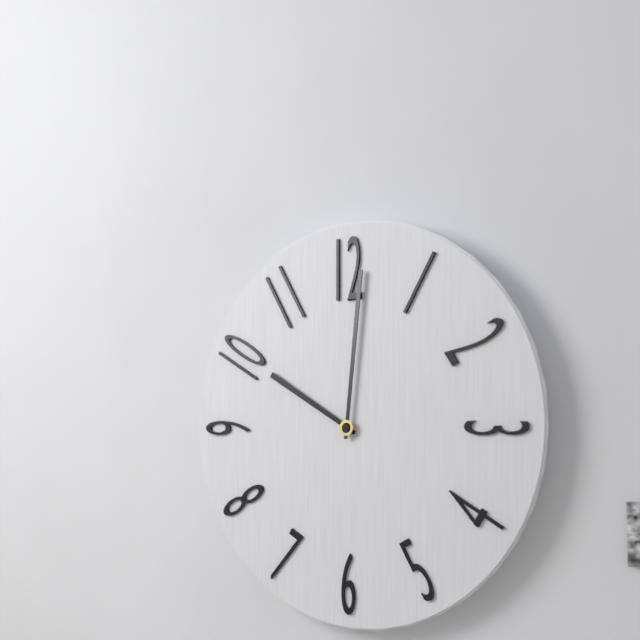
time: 10:01
